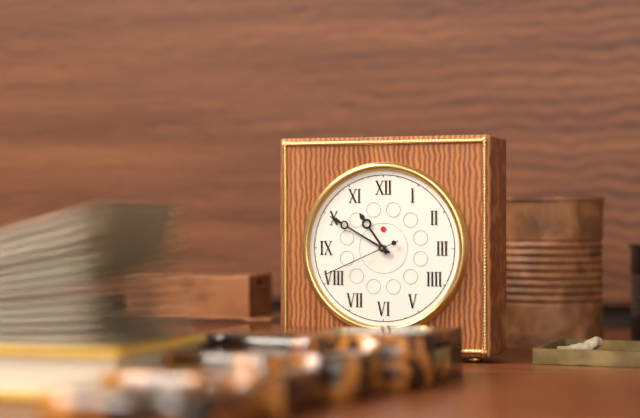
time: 10:50:41
